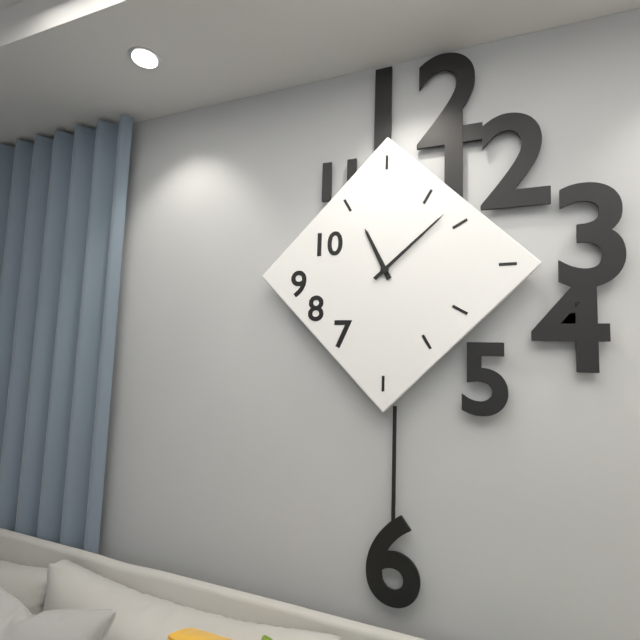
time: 11:08
